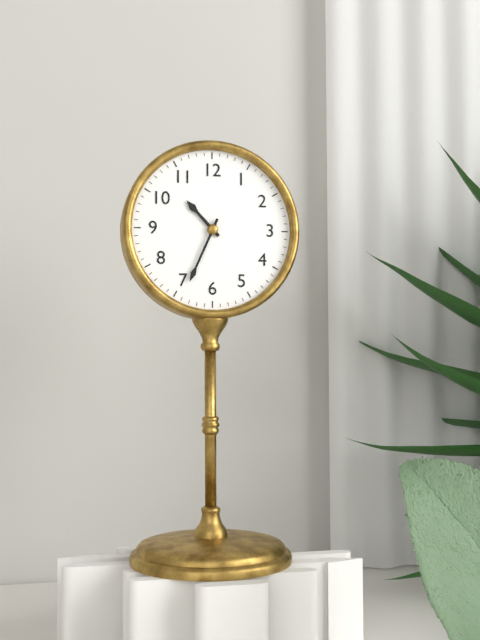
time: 10:34
